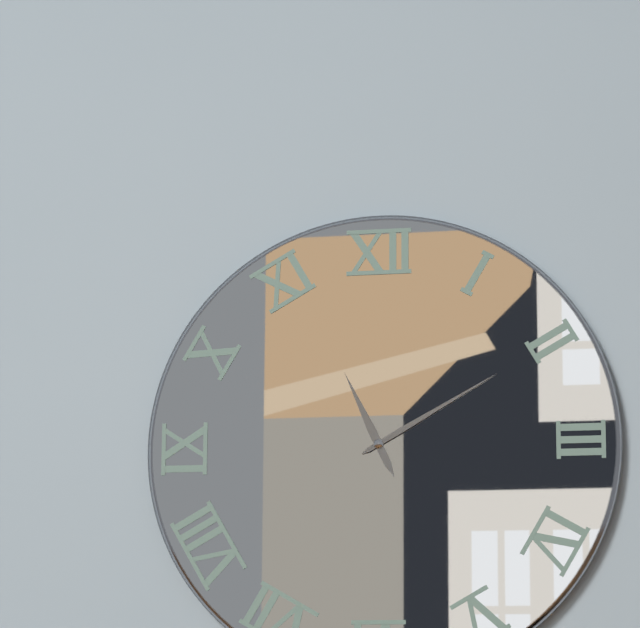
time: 11:10
